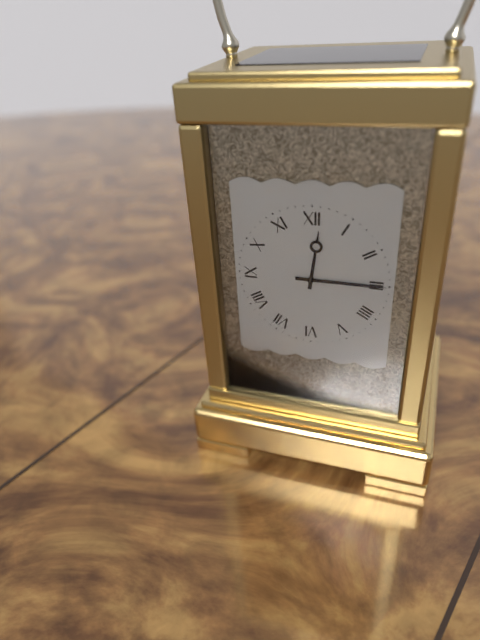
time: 12:15
